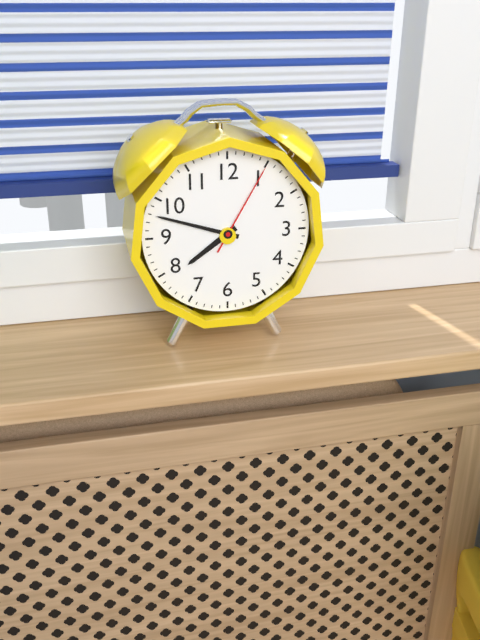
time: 7:48:05
